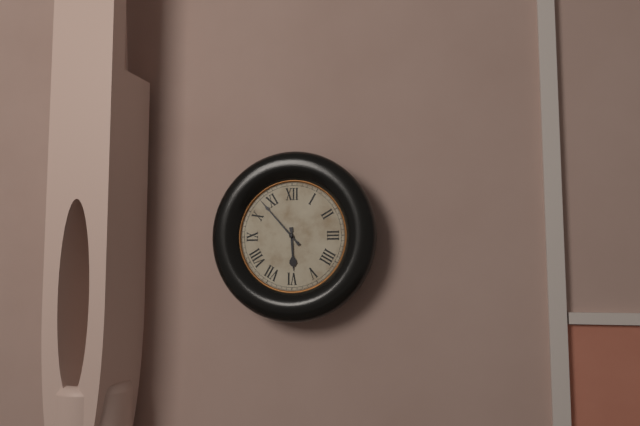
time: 5:53
